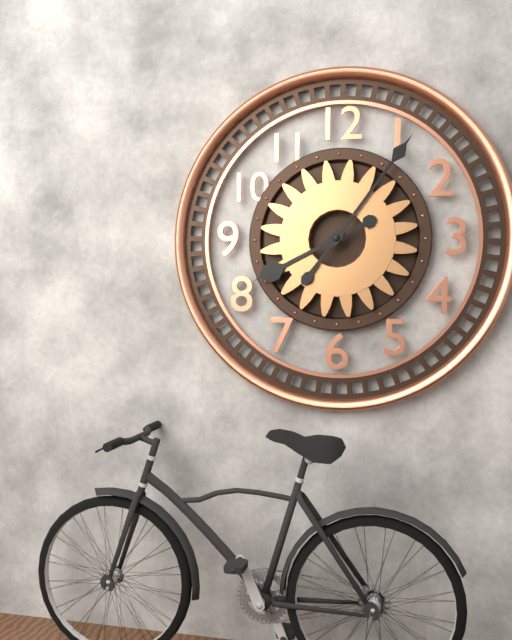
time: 8:06
